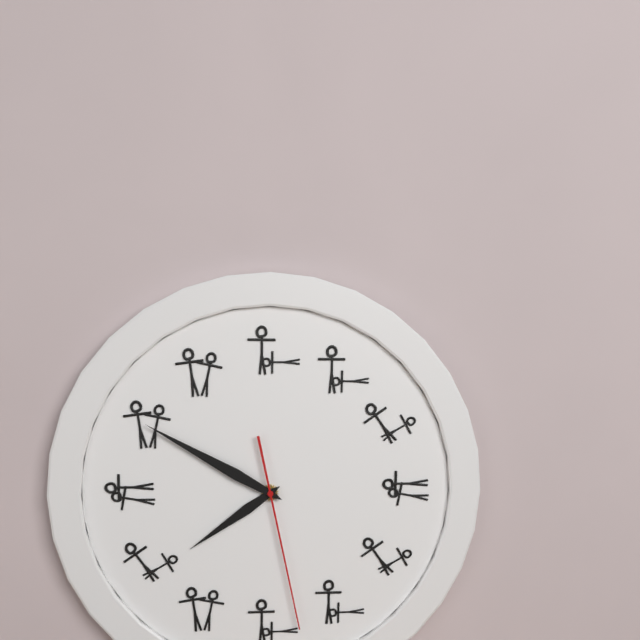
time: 7:50:28
